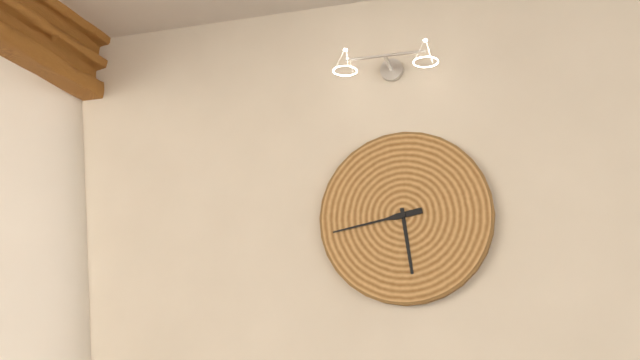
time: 5:43
